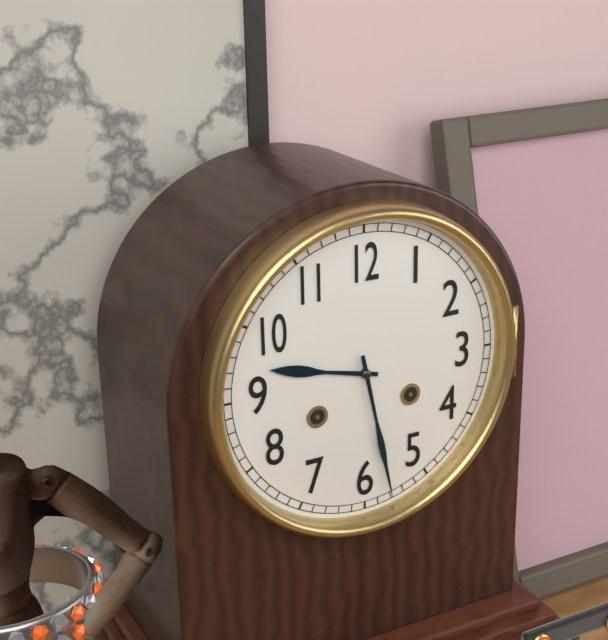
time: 9:28
